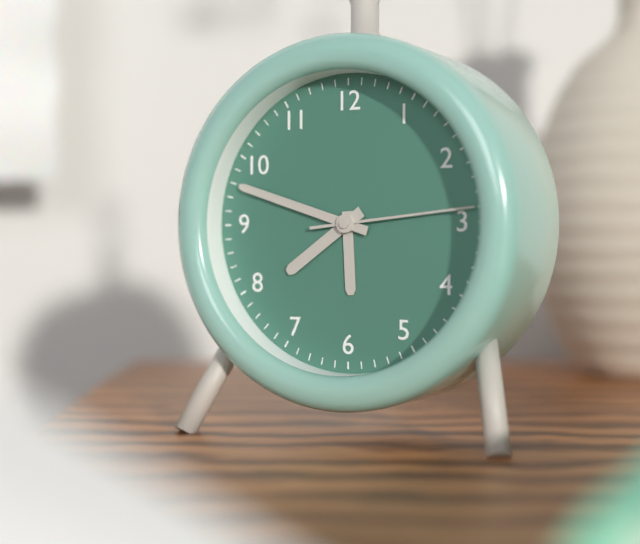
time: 7:48:14
